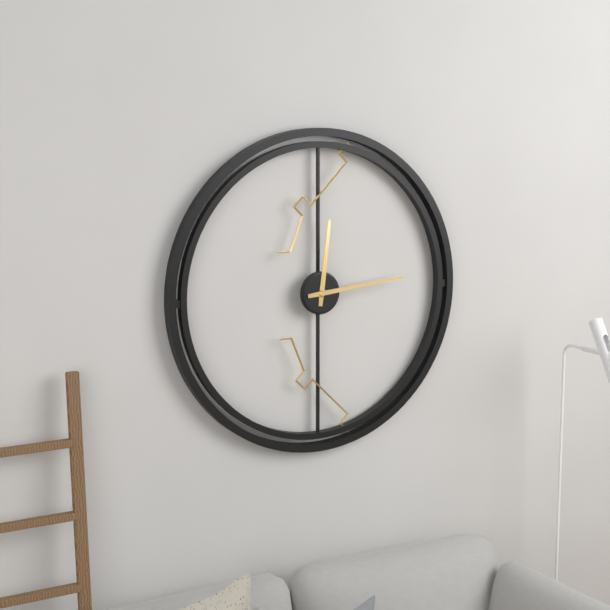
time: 12:14
